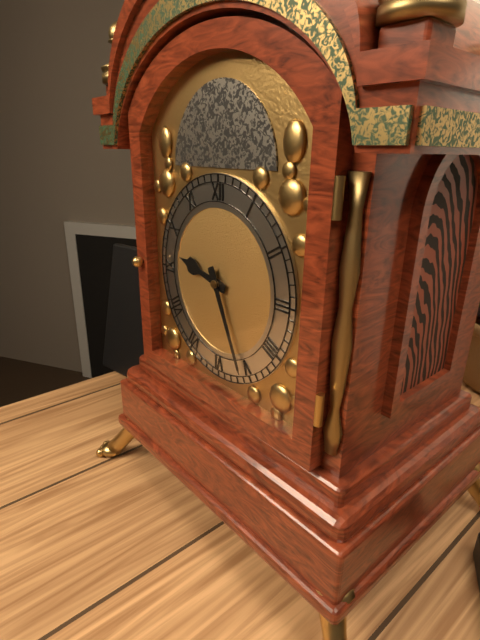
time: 9:26
